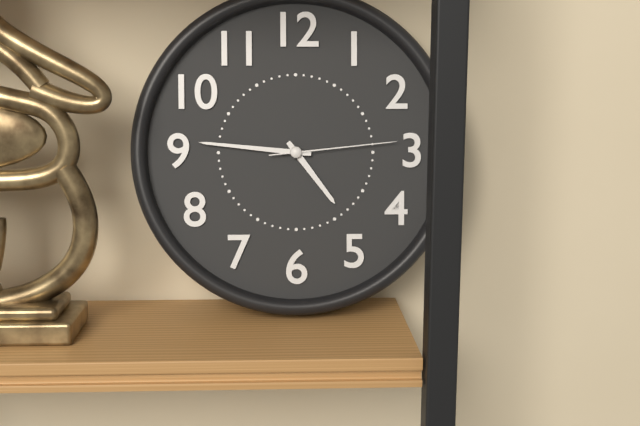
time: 4:46:14
